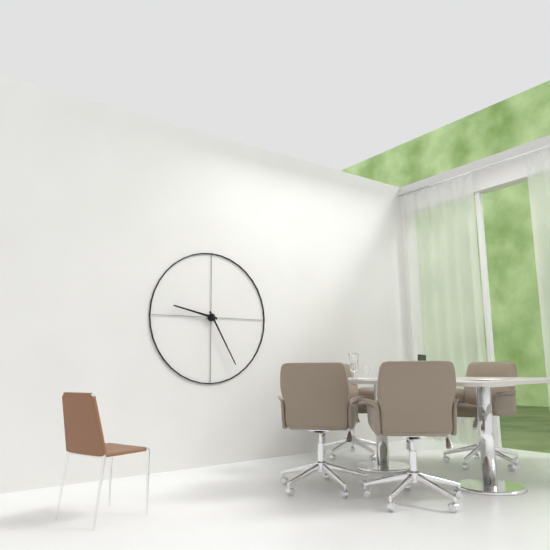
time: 9:25
